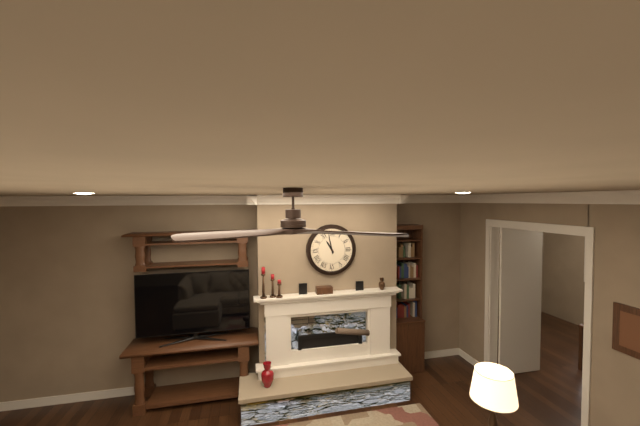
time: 10:58
